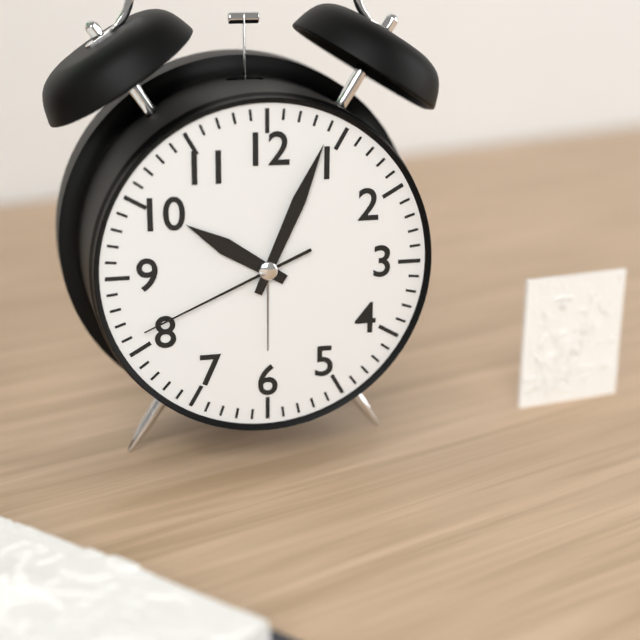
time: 10:04:41
